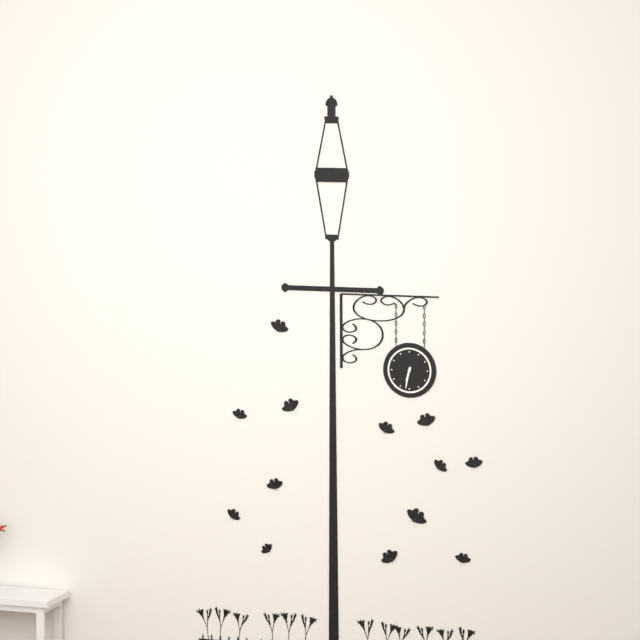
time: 6:32
